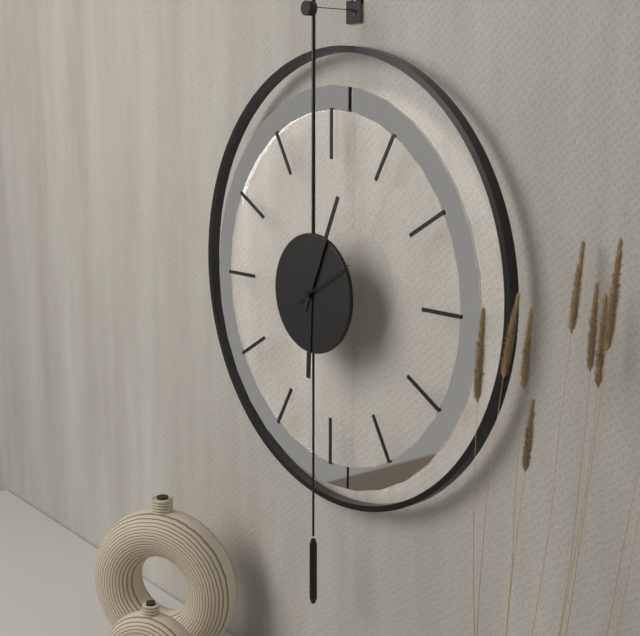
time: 6:04:10
